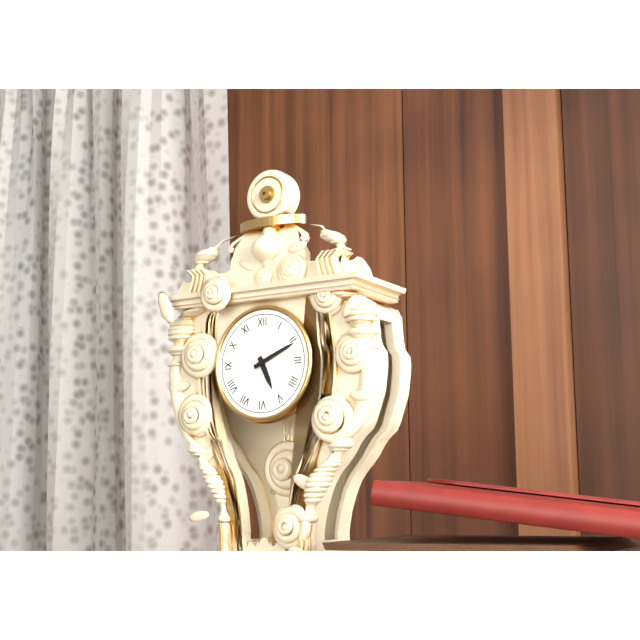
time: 5:11
